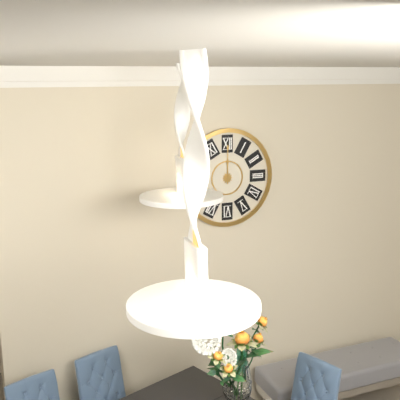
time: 12:00
